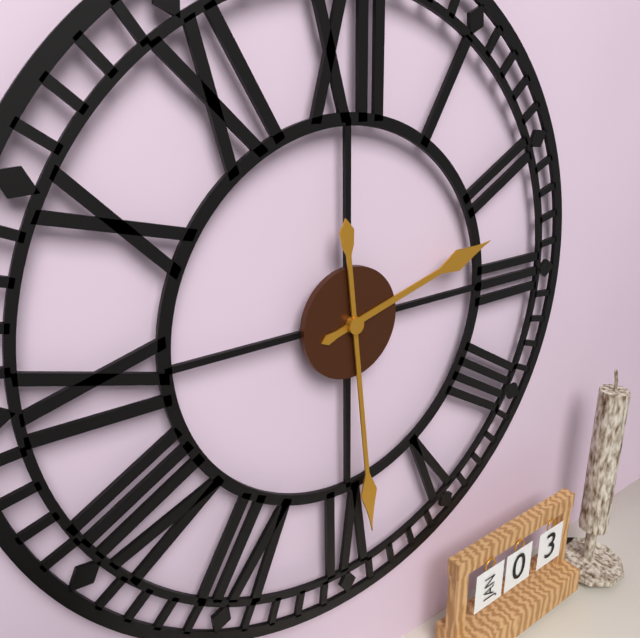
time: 2:29
